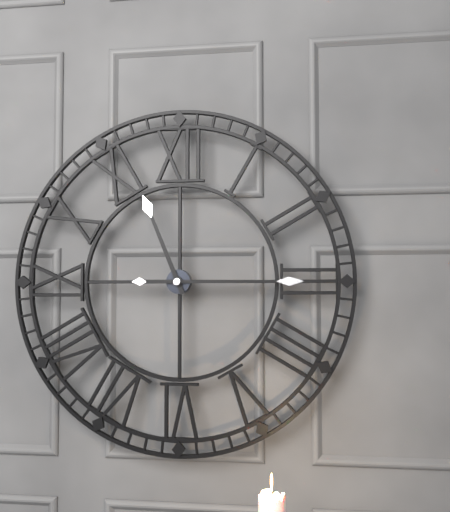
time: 11:15
